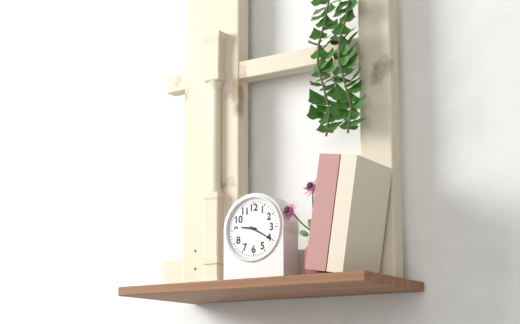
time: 9:20
